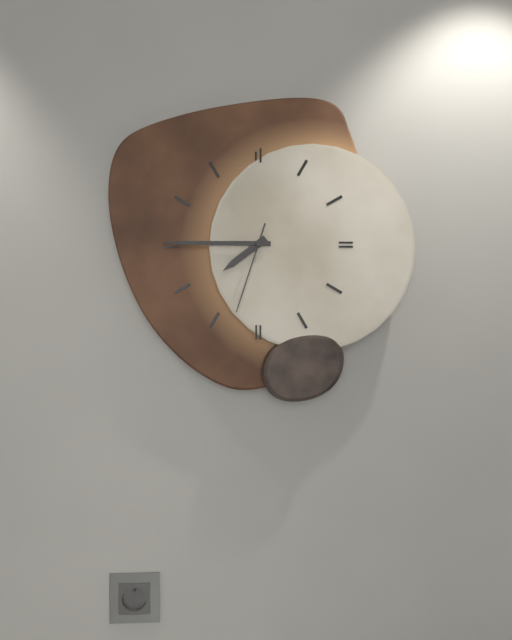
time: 7:45:33
